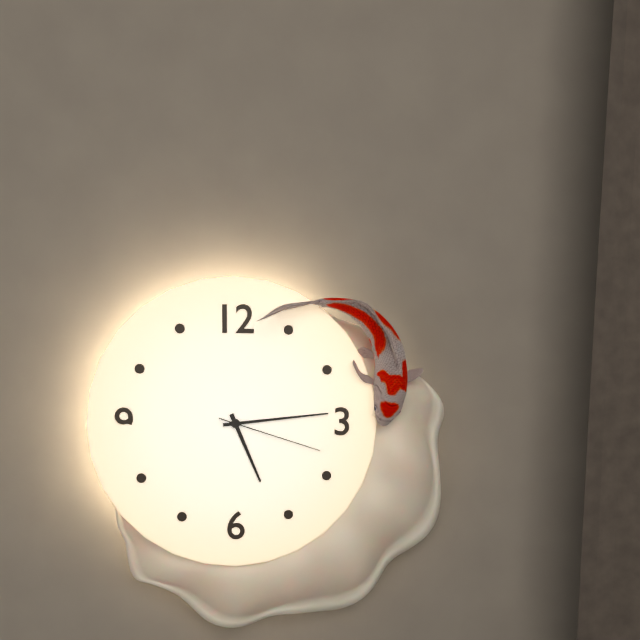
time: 5:14:18
